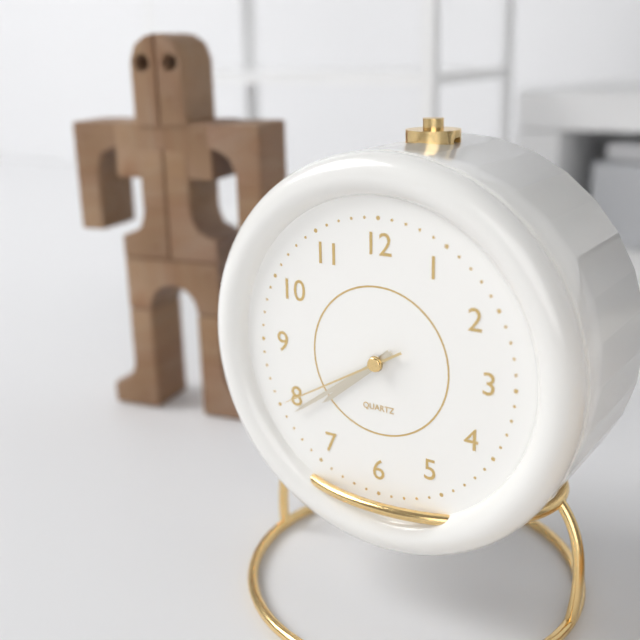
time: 7:39:40
